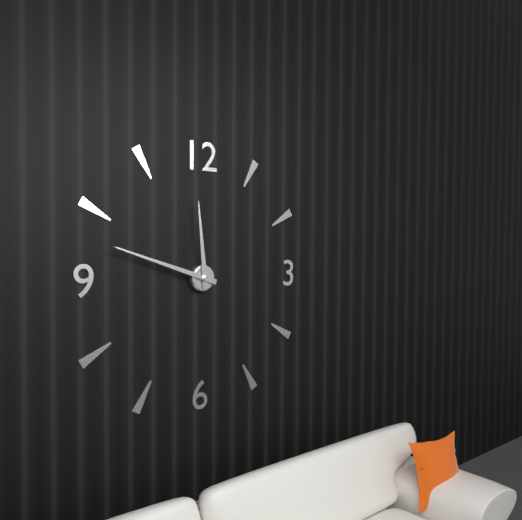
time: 11:48
